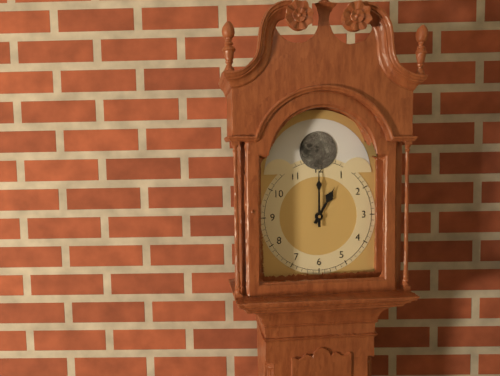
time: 1:00
